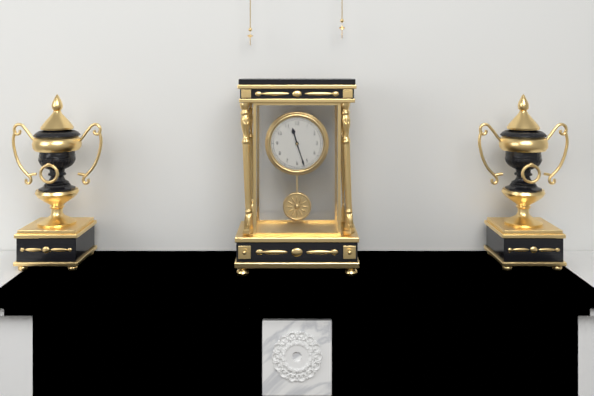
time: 11:27
